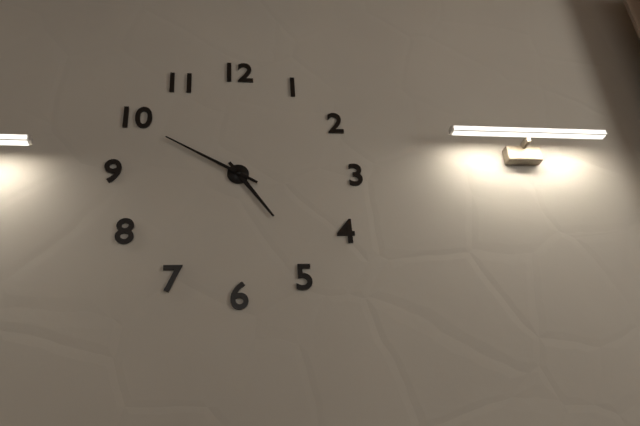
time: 4:50
